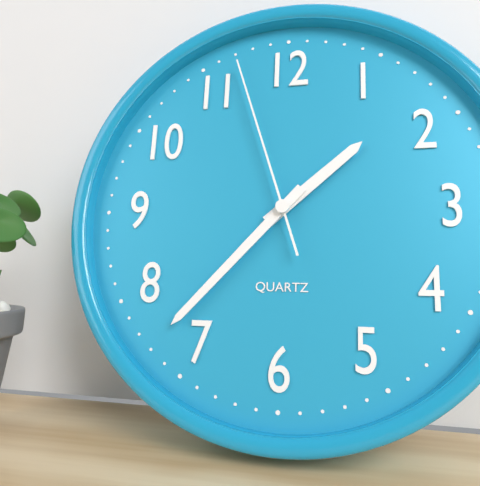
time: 1:37:57
